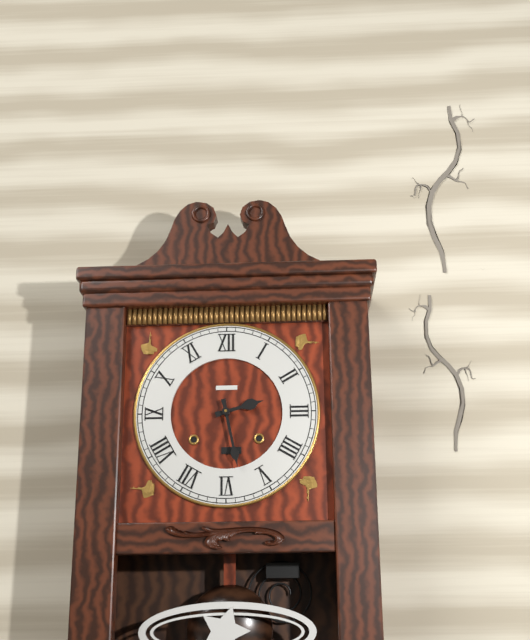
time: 2:28
